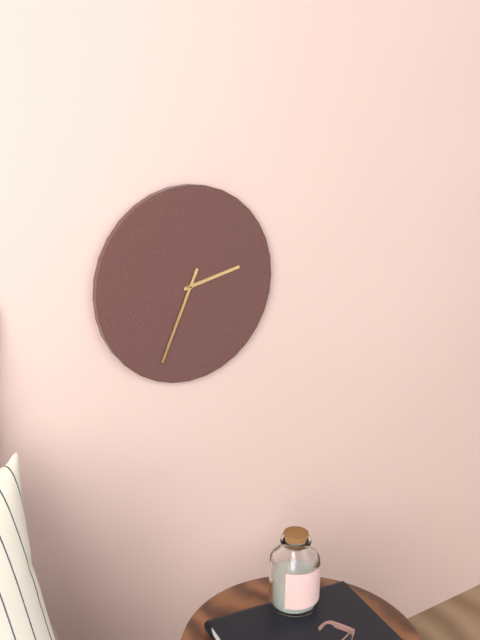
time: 2:34
